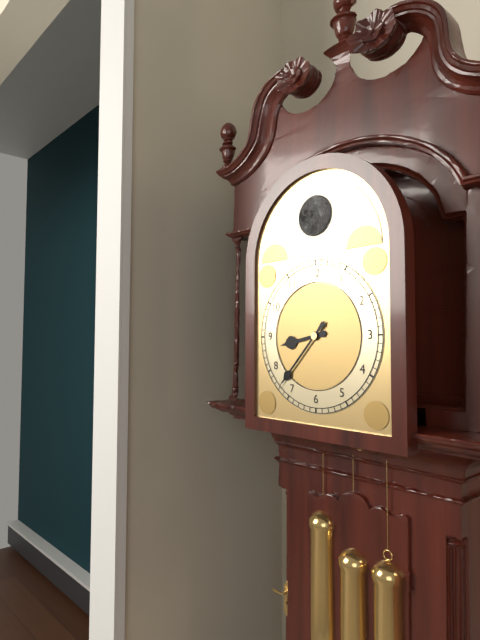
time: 8:37
